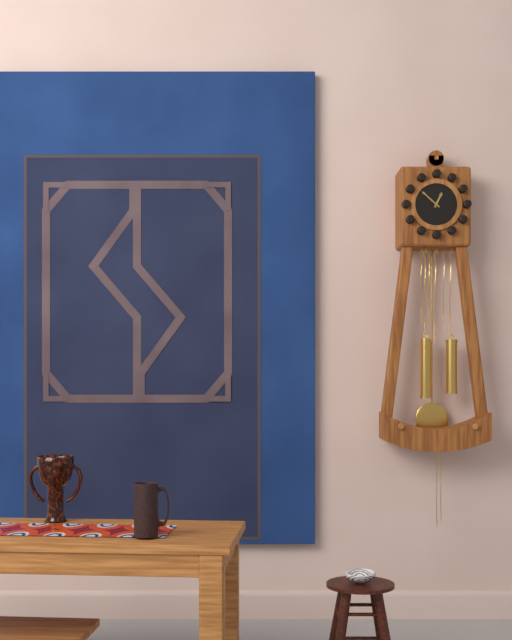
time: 12:52
